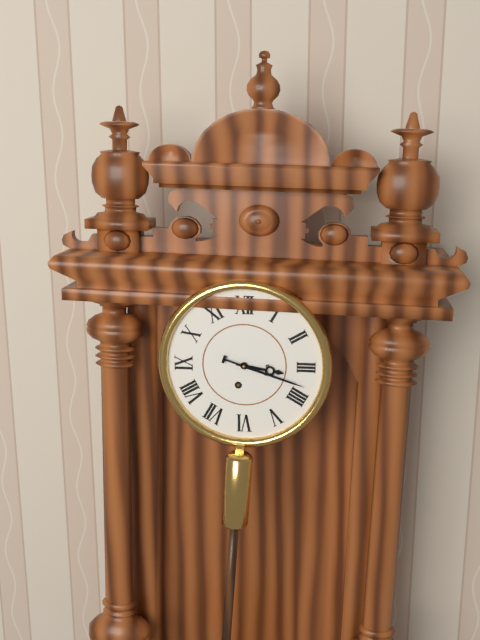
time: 3:18
